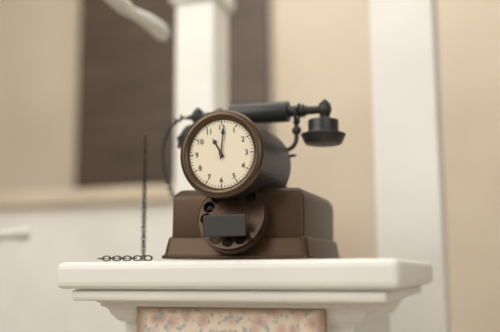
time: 11:01
